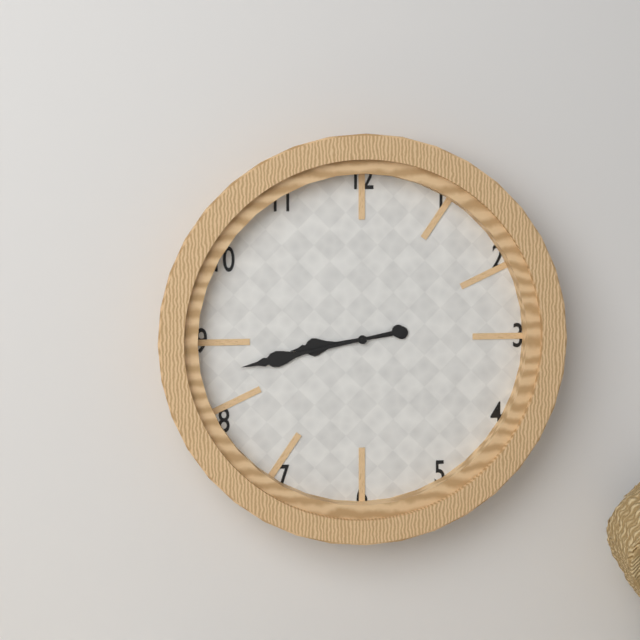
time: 8:43
